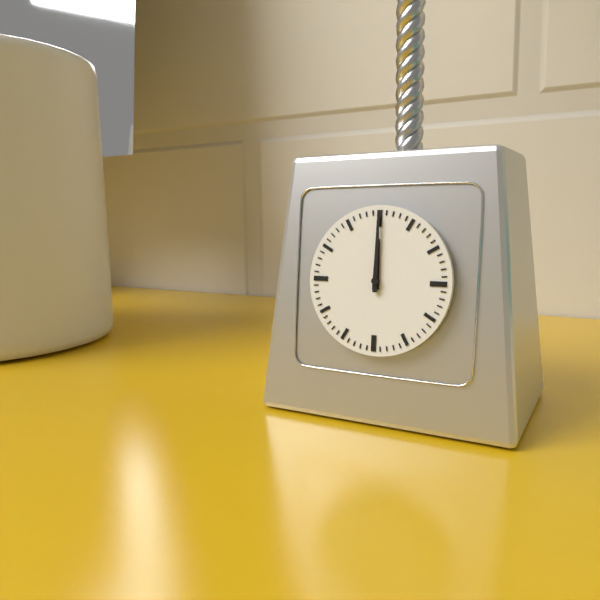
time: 12:00
